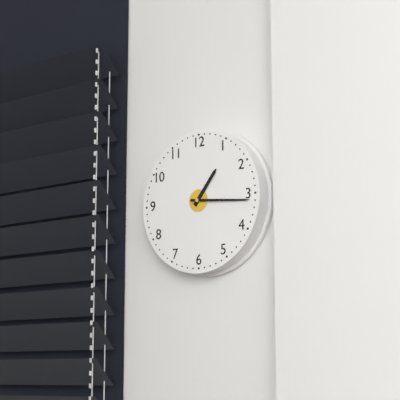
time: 1:16
